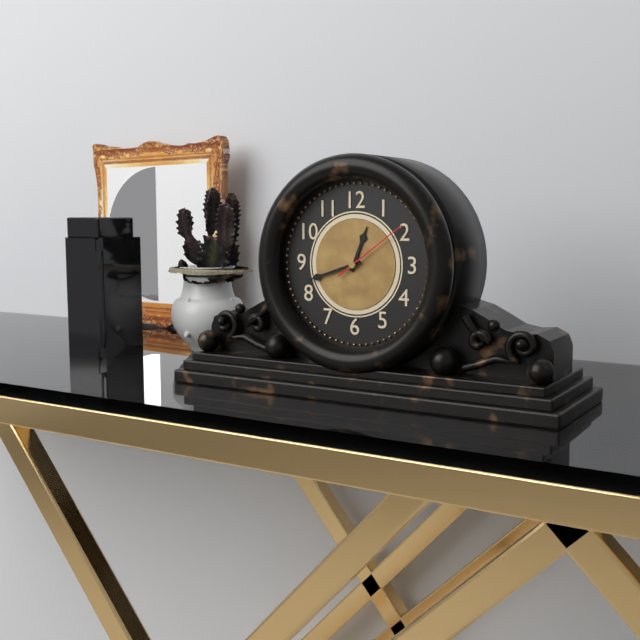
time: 12:42:09
